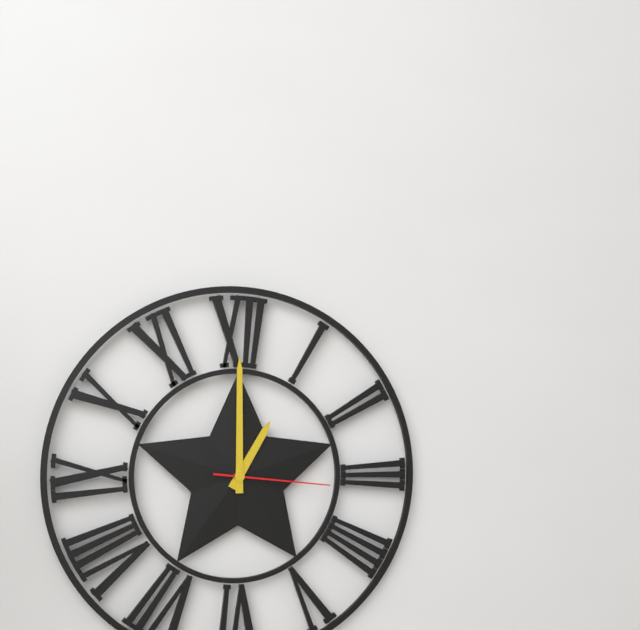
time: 1:00:16
